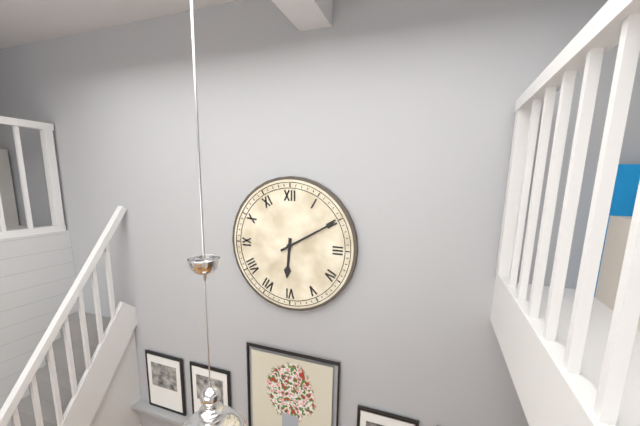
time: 6:10
